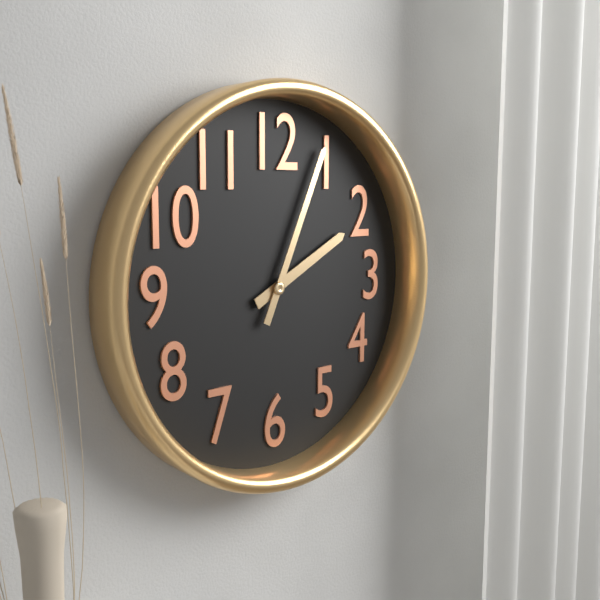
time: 2:04
